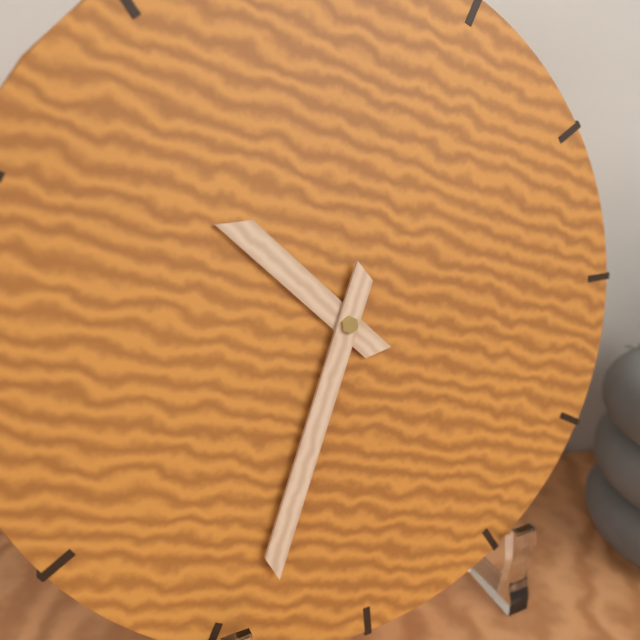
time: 10:34
